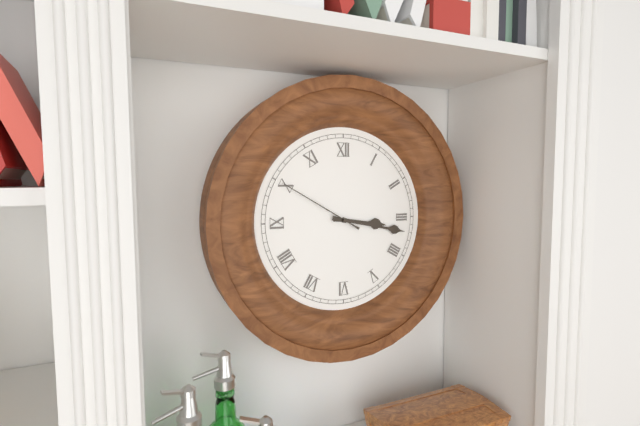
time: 3:17:50
